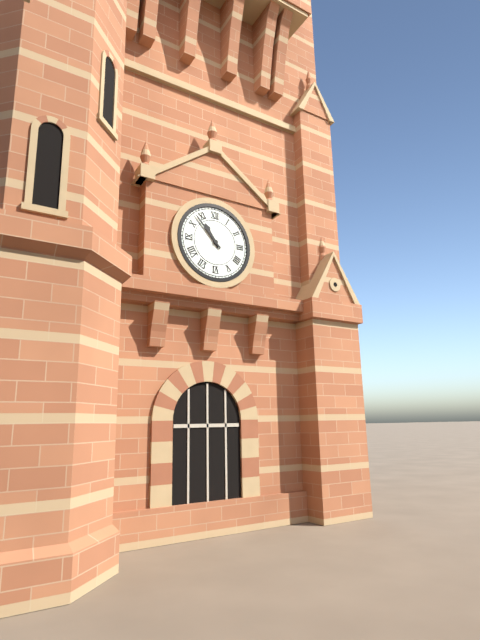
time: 10:53
